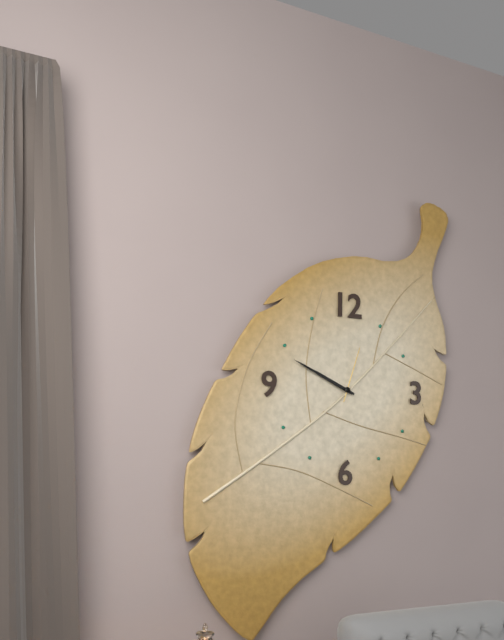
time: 9:49:03
